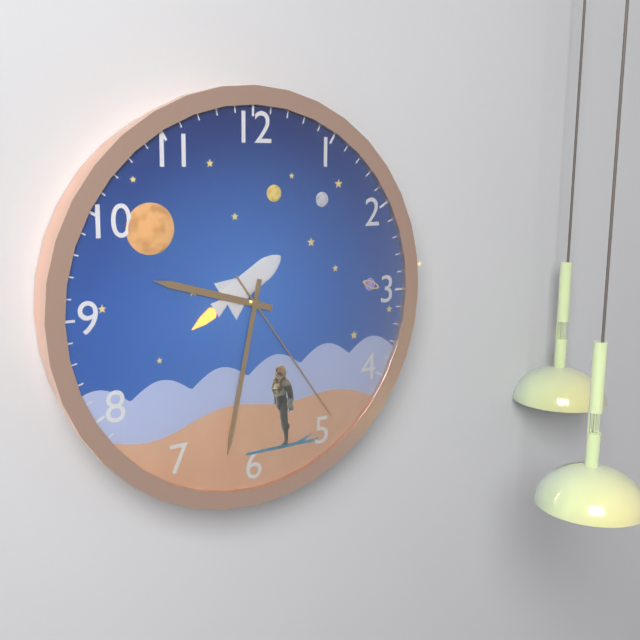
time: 9:32:24
